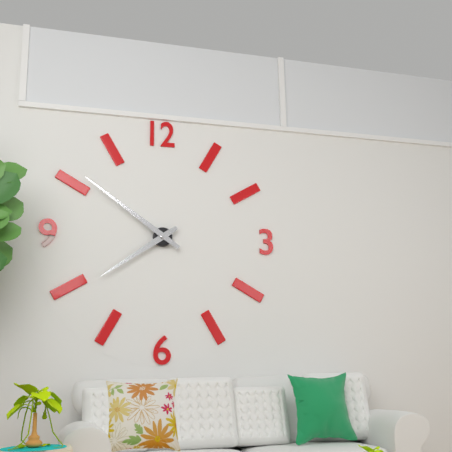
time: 7:51
